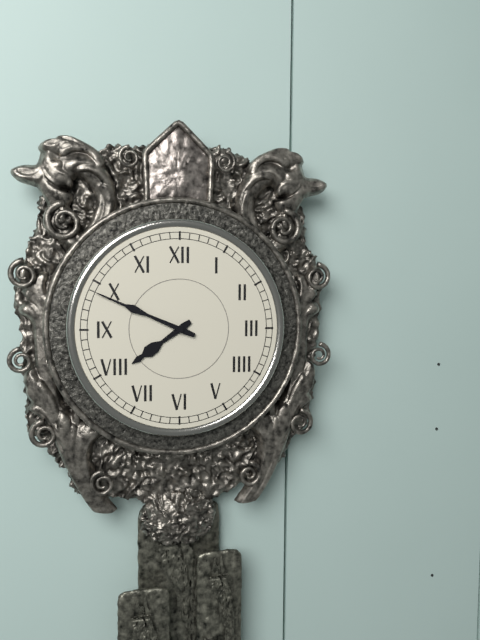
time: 7:49
